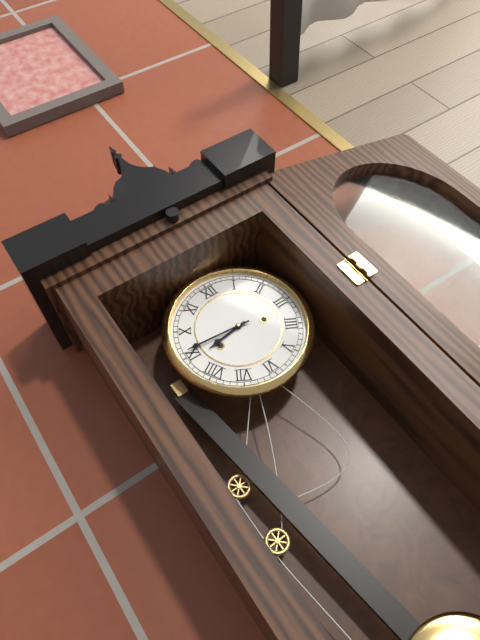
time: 8:46
